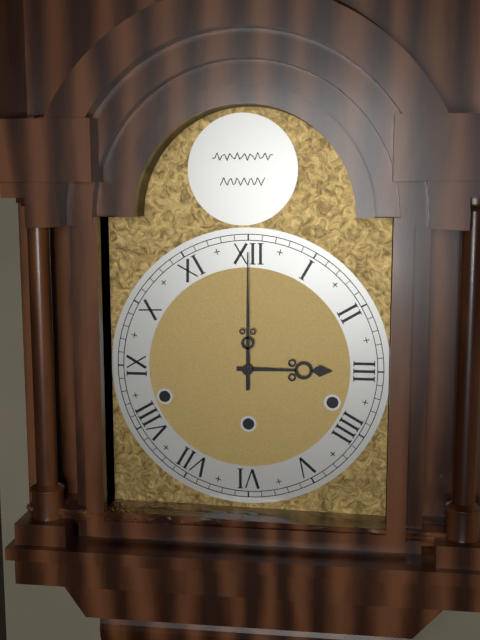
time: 3:00
